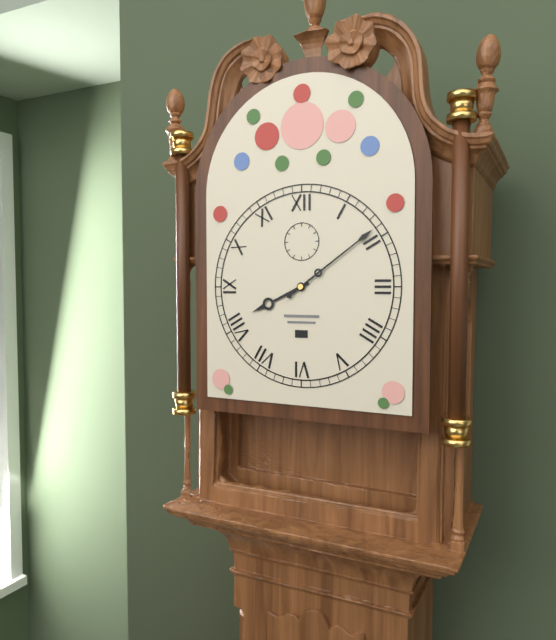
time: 8:09
